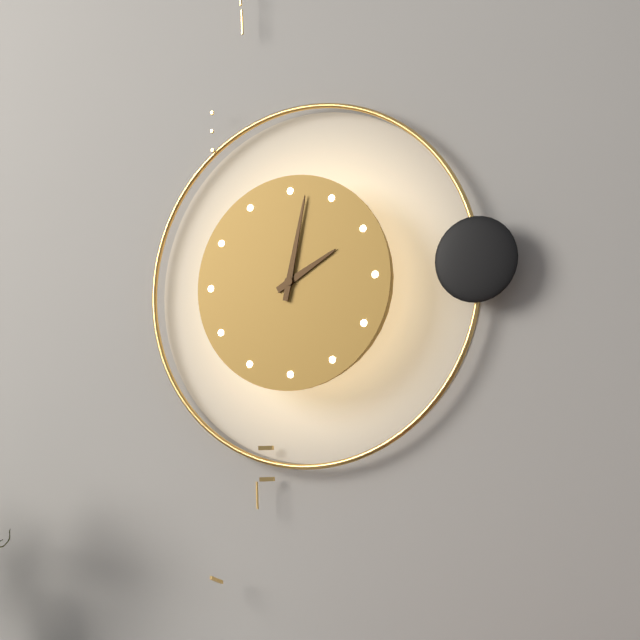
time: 2:02
